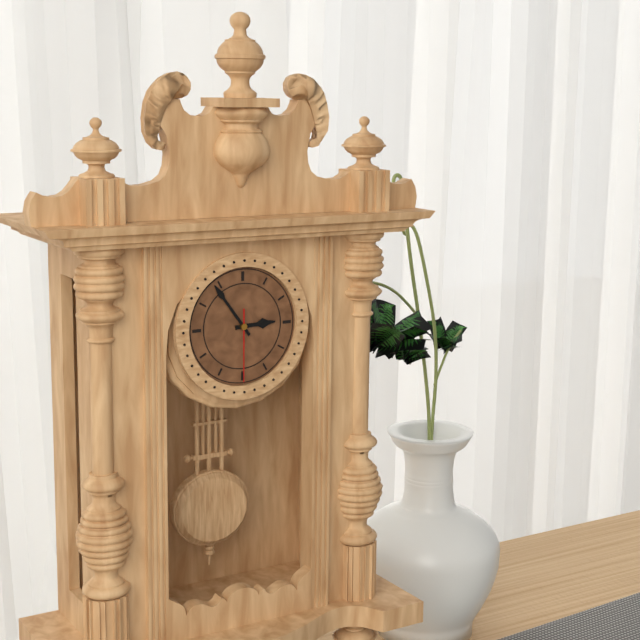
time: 2:54:30
